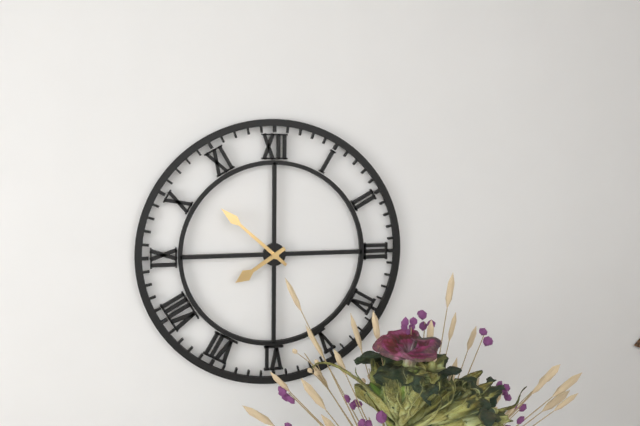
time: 7:52
